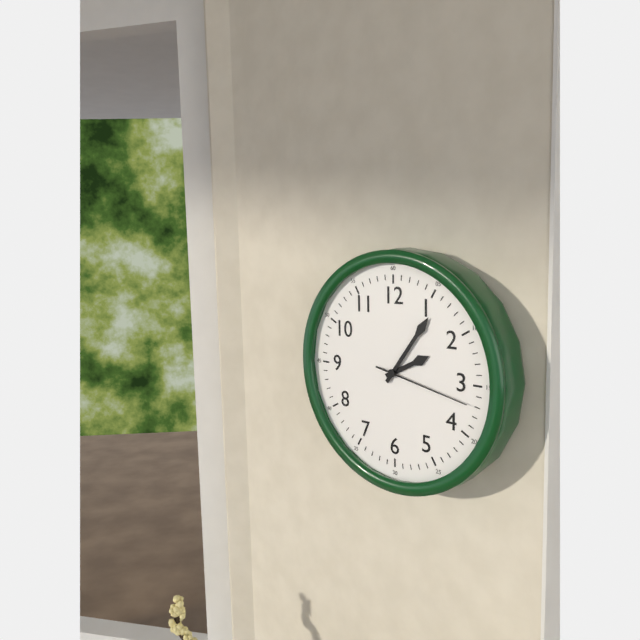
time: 2:06:17
